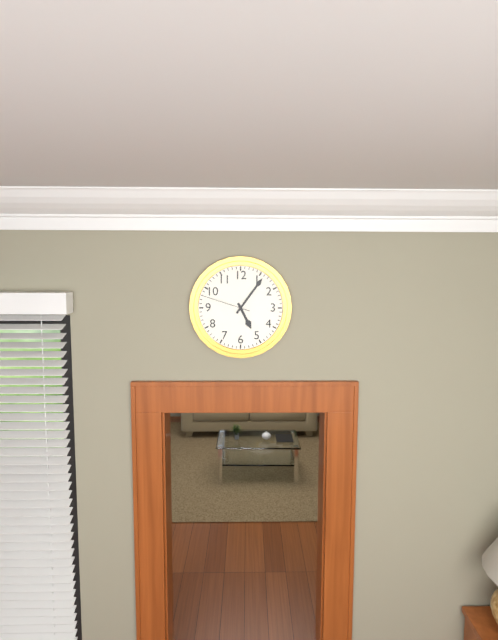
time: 5:06
